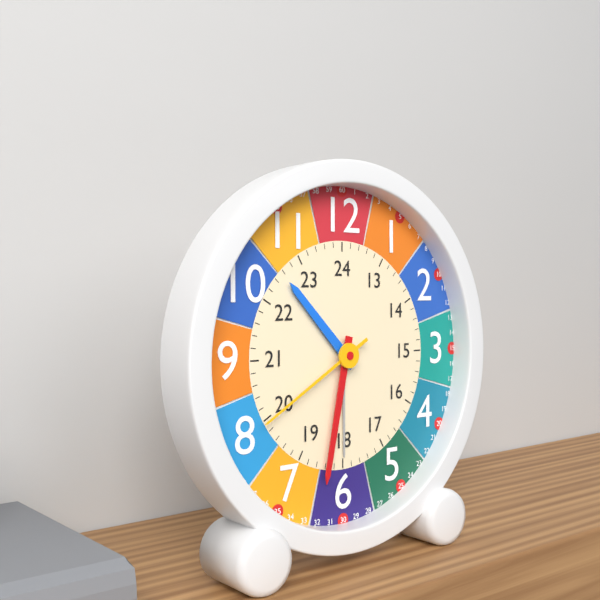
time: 10:32:40
